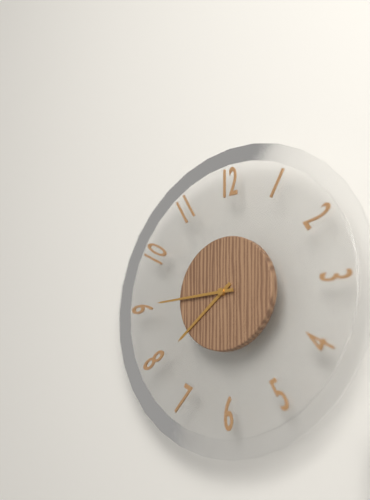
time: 7:45
